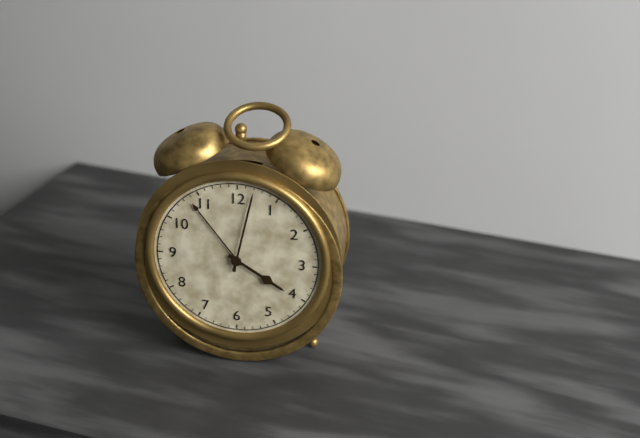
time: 4:02
